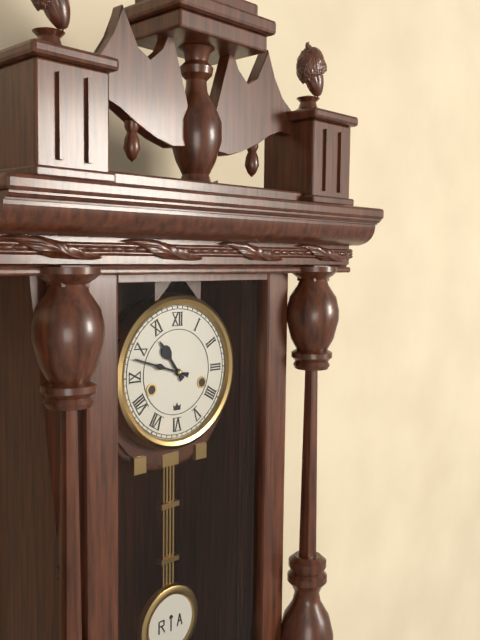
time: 10:48
